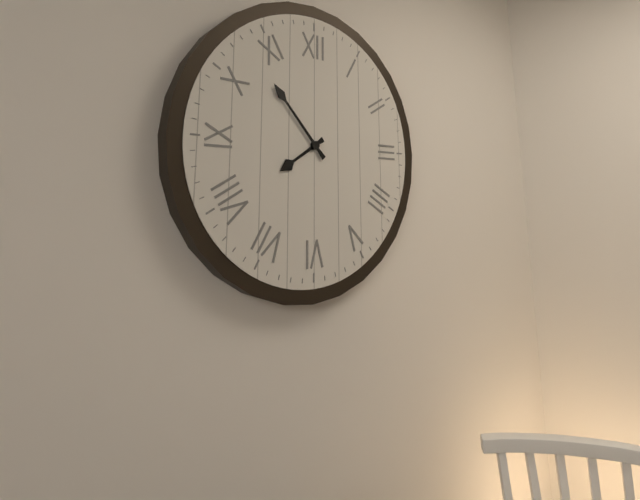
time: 7:53
